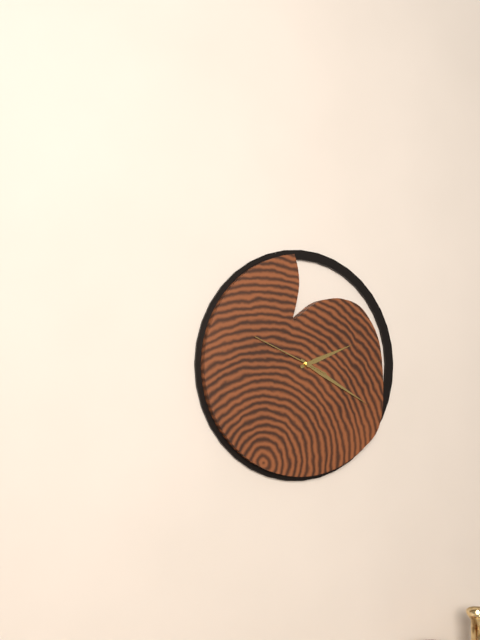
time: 2:20:49
